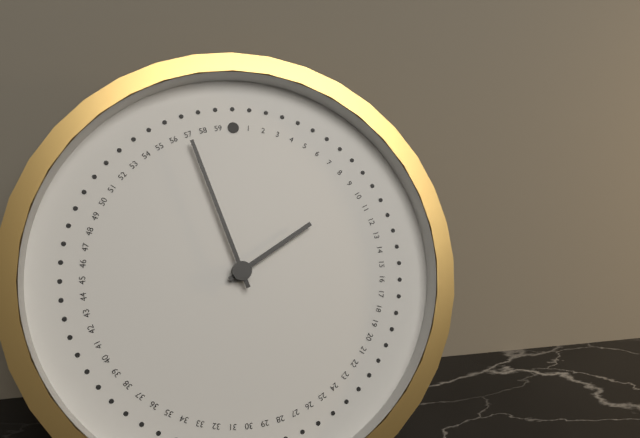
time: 1:57
